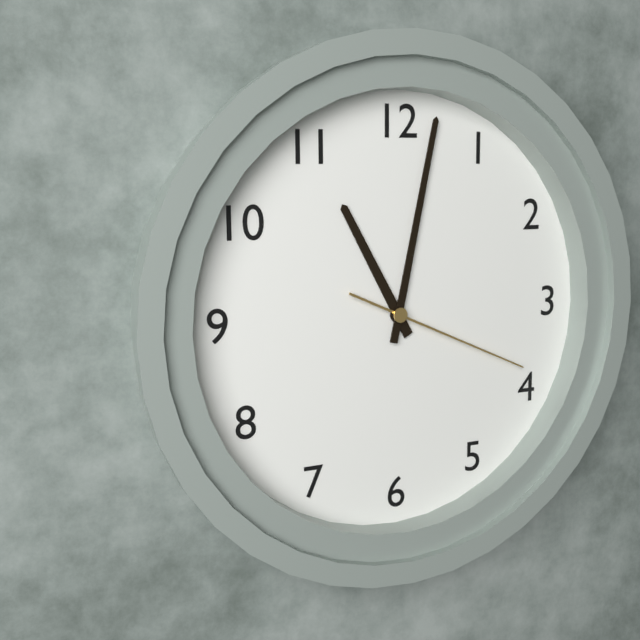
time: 11:02:19
